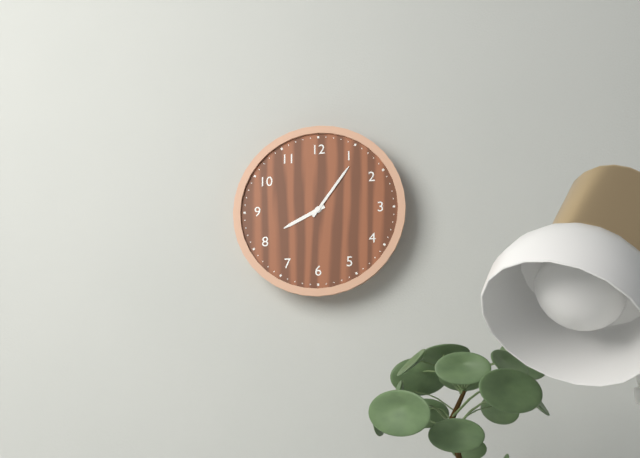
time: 8:06
